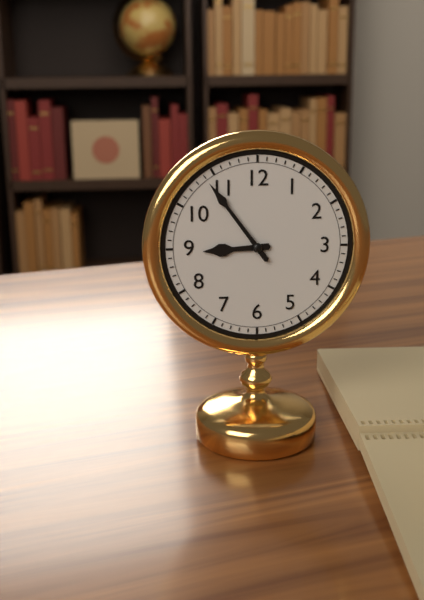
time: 8:54
